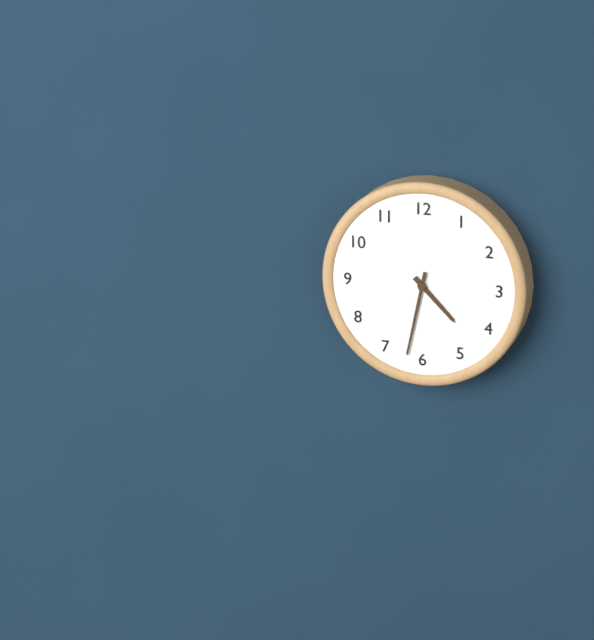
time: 4:32
